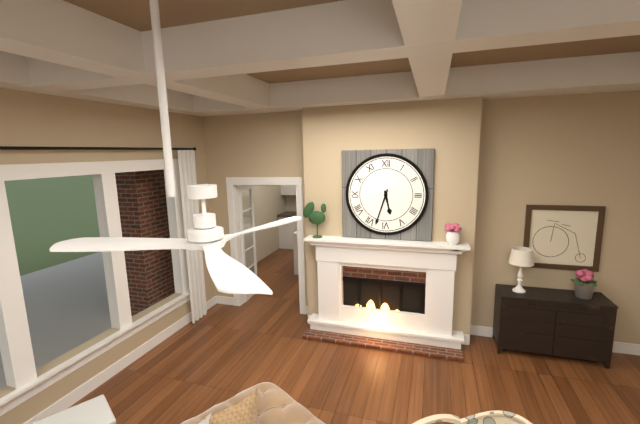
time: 5:33
